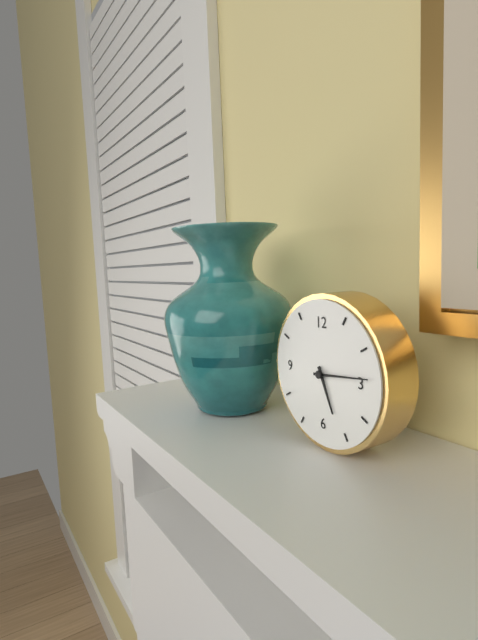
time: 5:14
